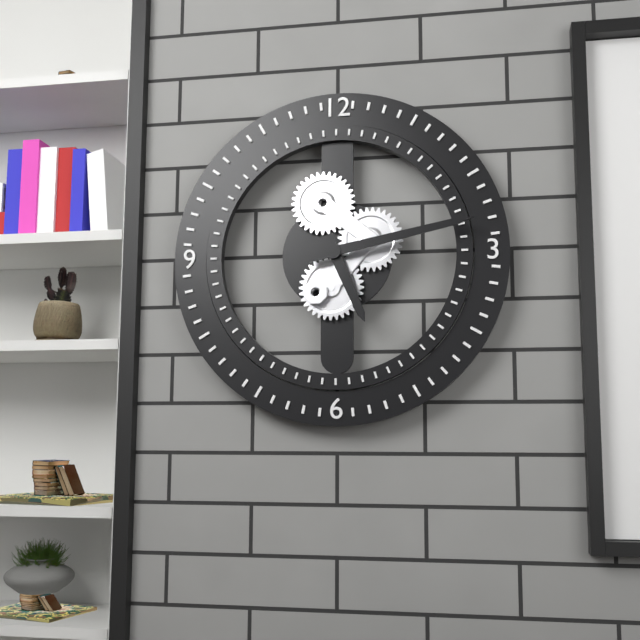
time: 5:13
